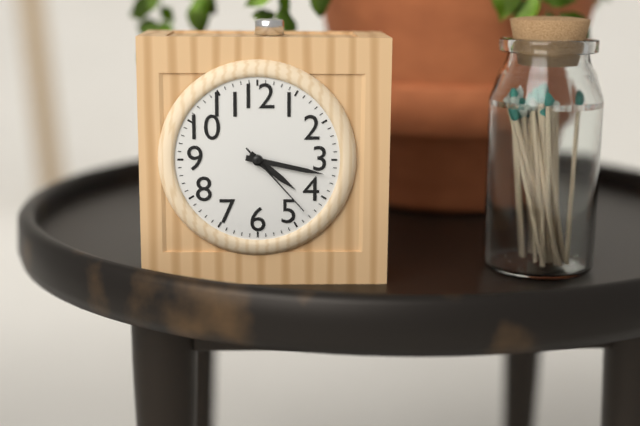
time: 4:17:23
